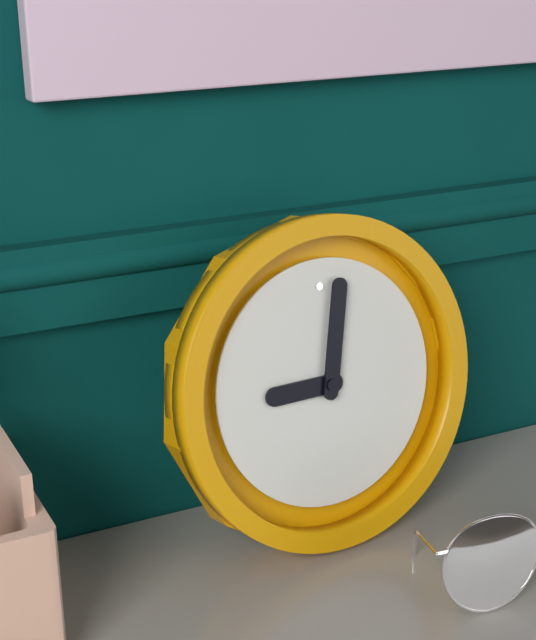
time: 9:02
